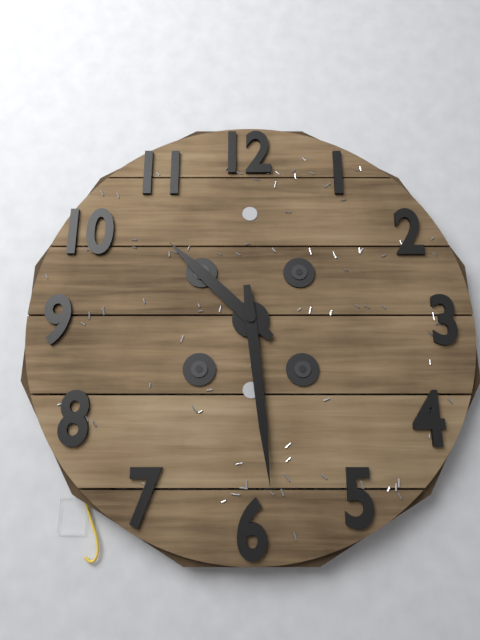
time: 10:29
